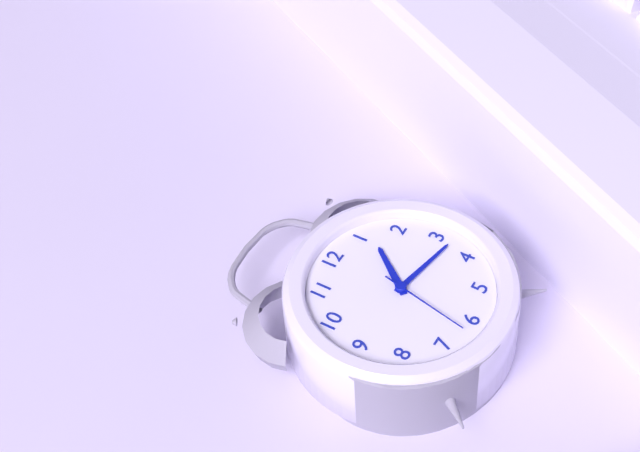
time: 1:17:32
